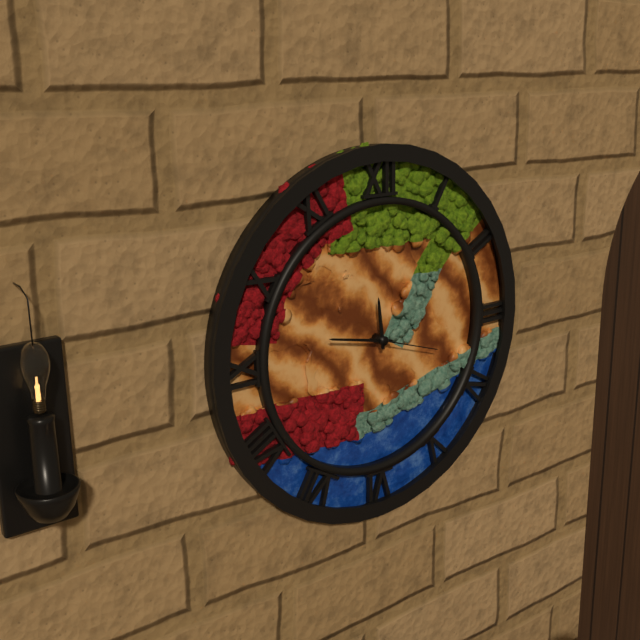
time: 11:47:18
